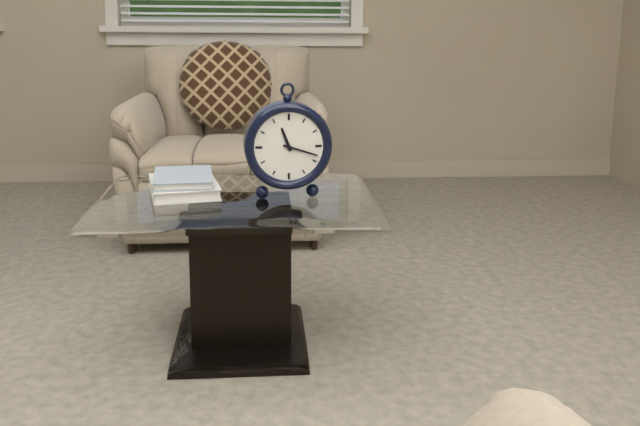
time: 11:18
